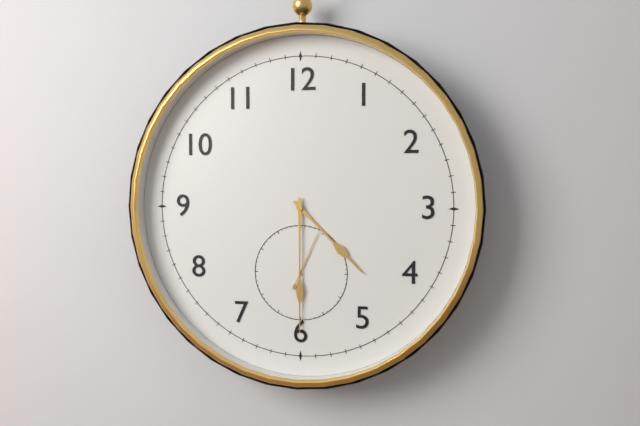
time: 4:30:04
